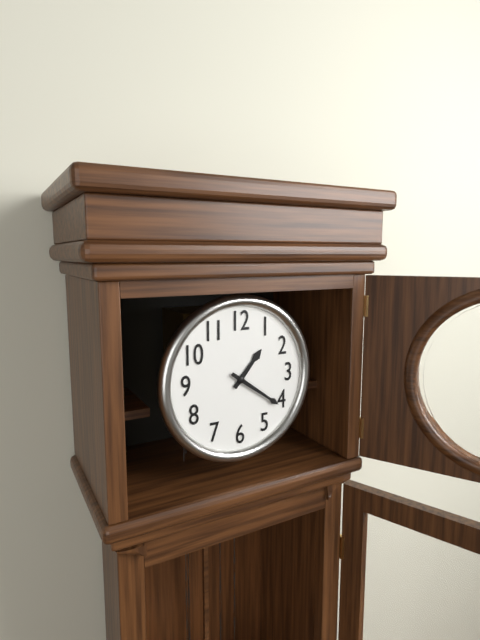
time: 1:21
